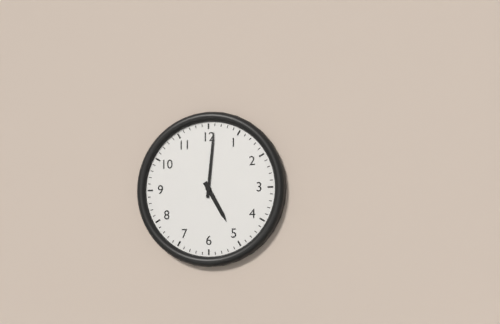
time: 5:01
